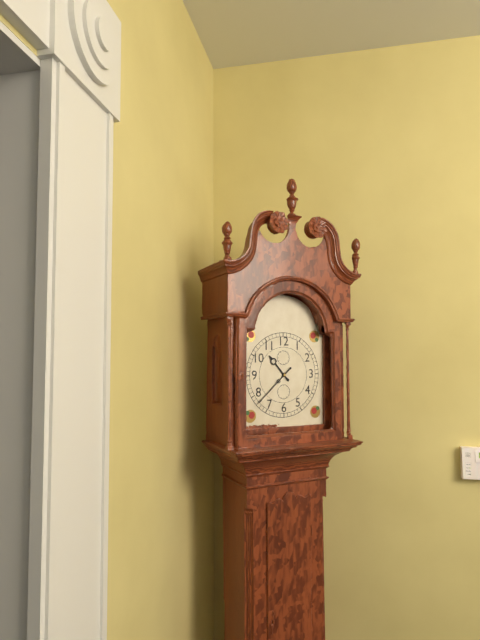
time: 10:38
